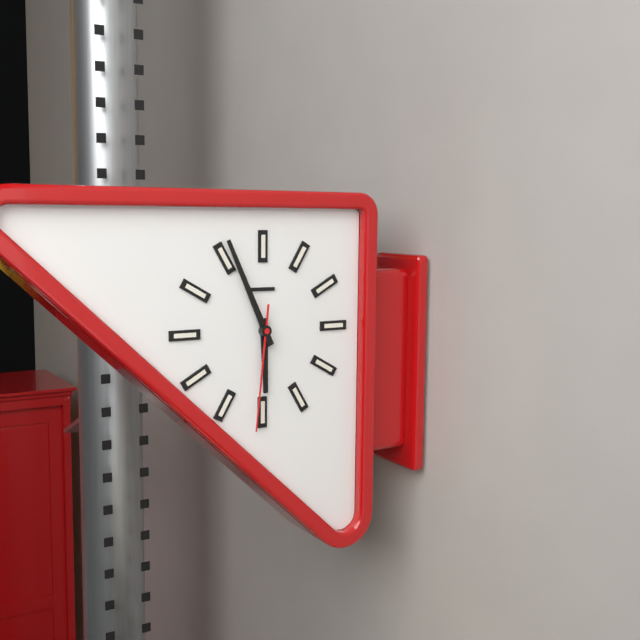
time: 5:56:31
